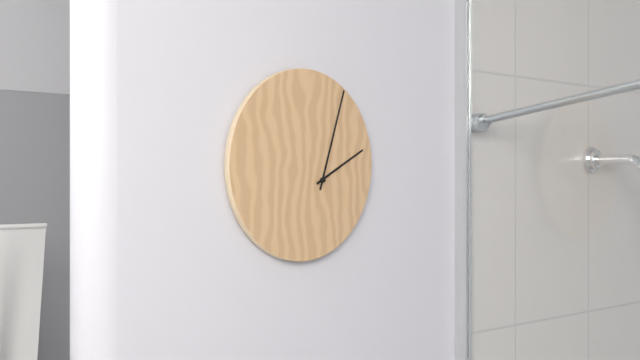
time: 2:03
